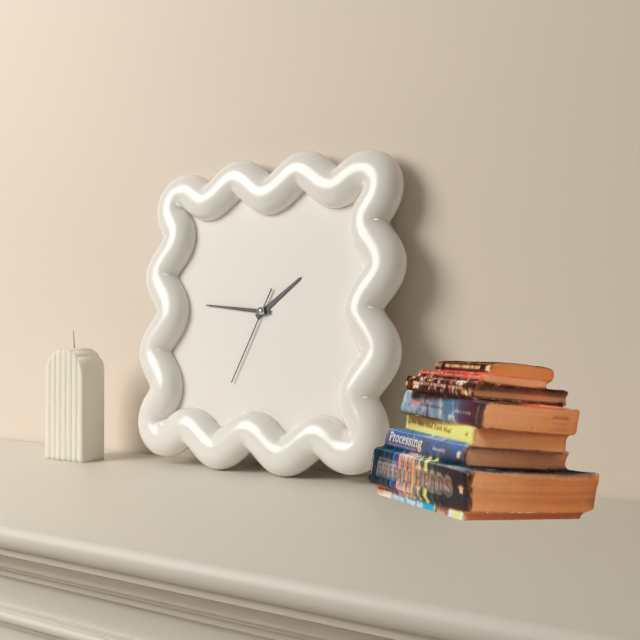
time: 1:46:34
